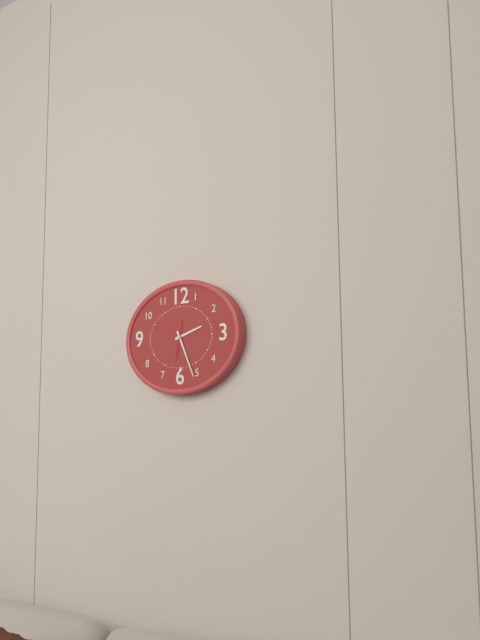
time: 2:26
